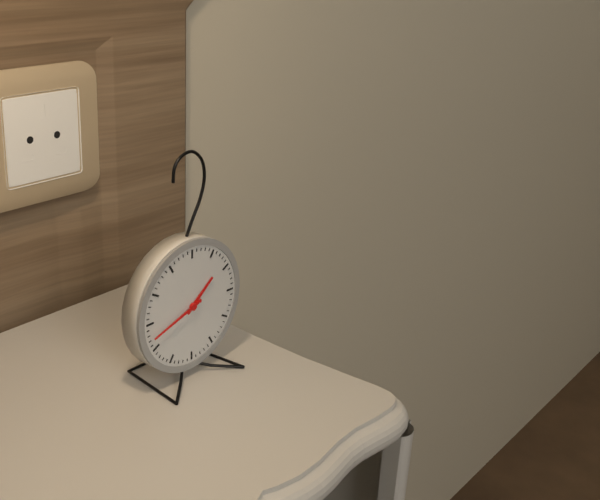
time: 1:42
